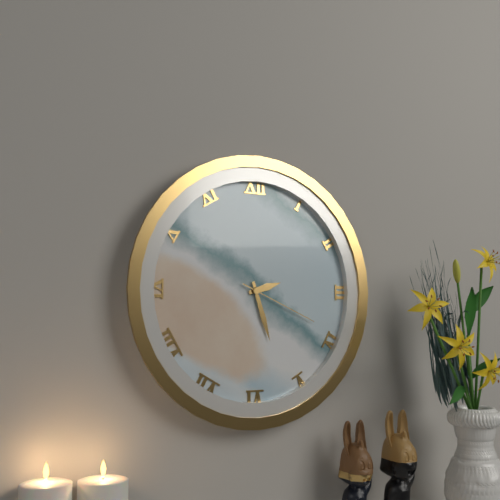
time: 2:27:19
